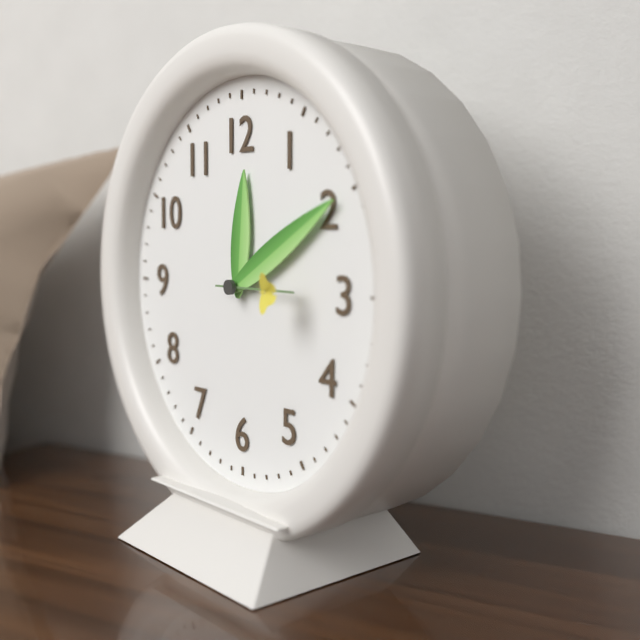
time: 12:10:15
